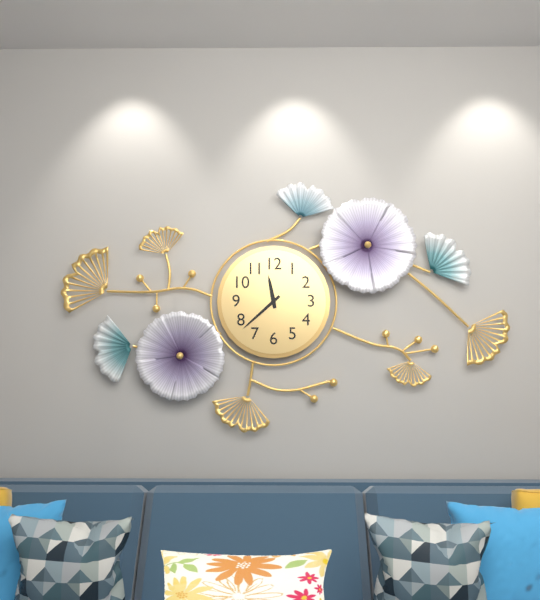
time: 11:38
